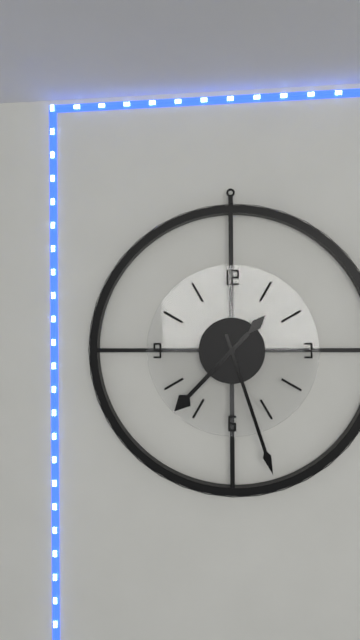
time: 7:27
